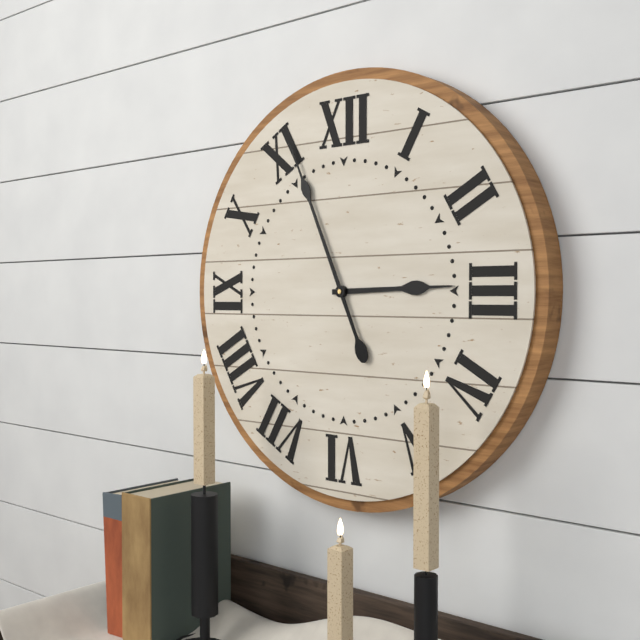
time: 2:56
